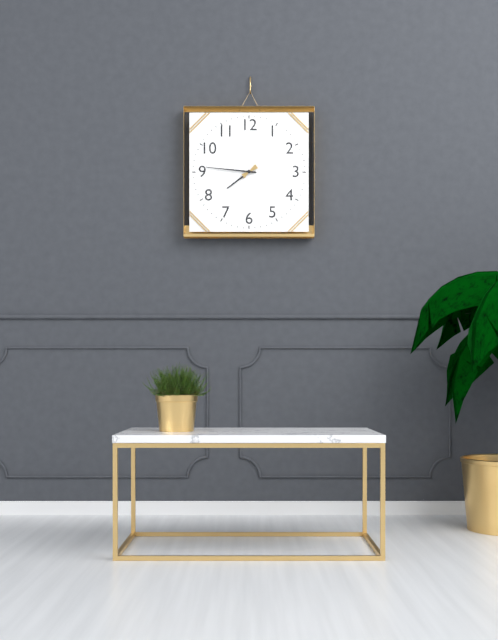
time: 7:46
